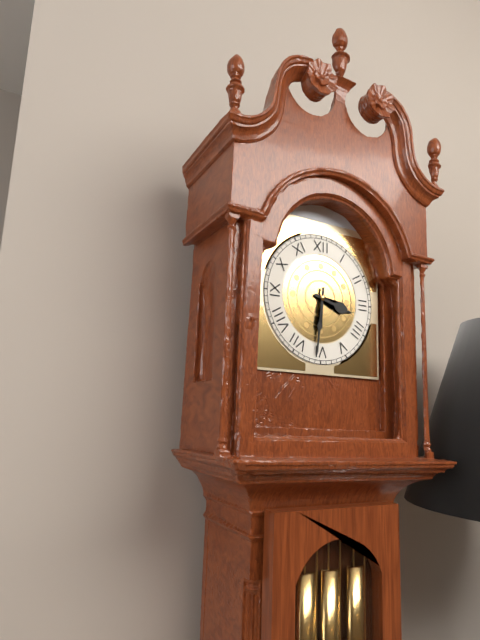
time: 3:31
